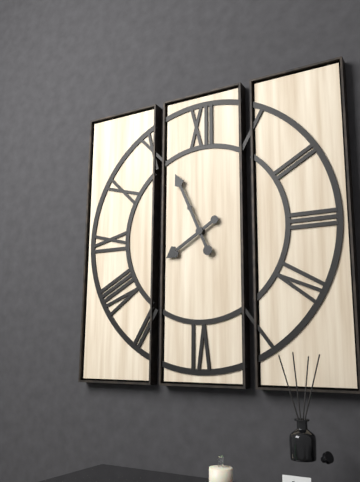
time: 7:56
